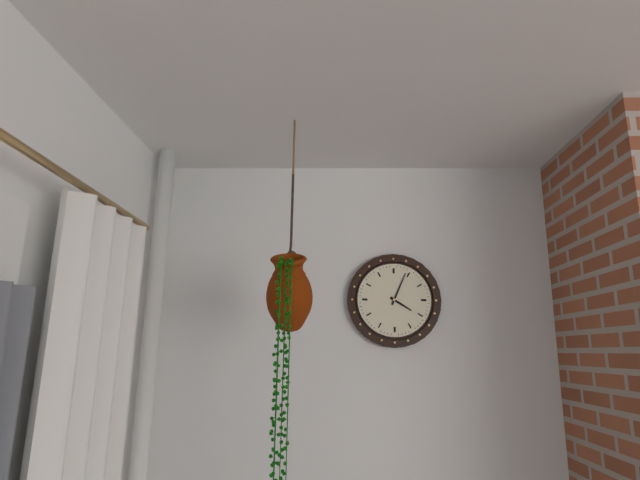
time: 4:04
